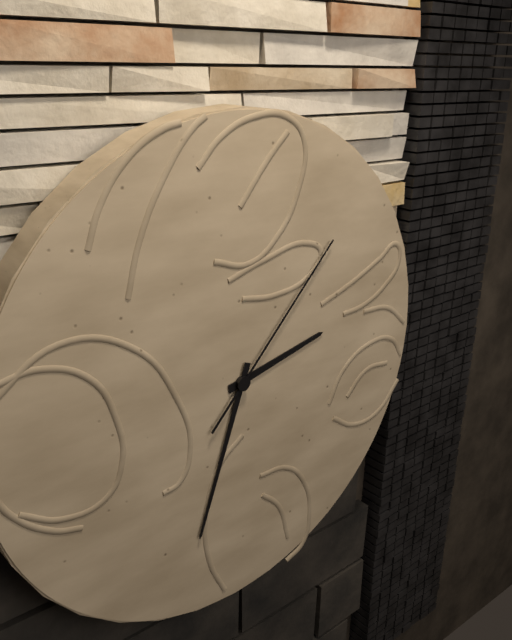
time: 2:33:07
